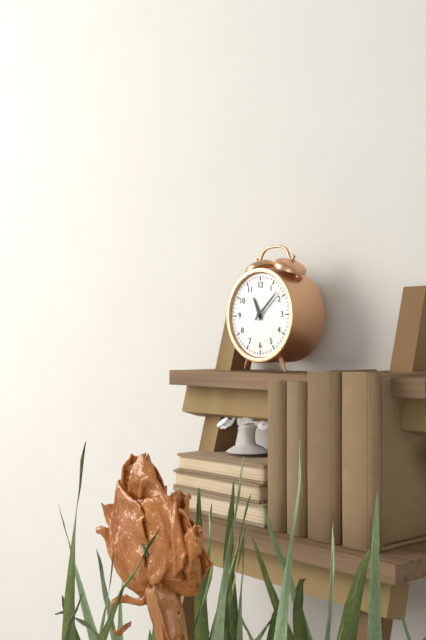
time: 11:08
